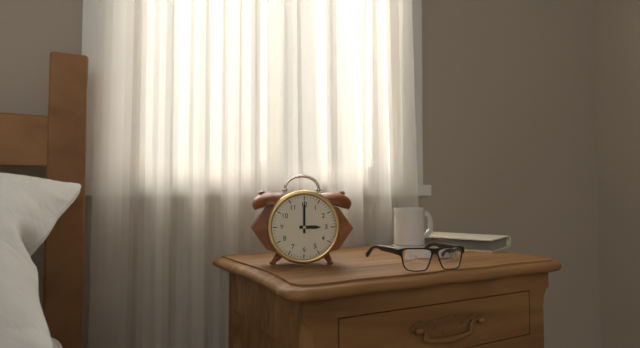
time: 3:00
